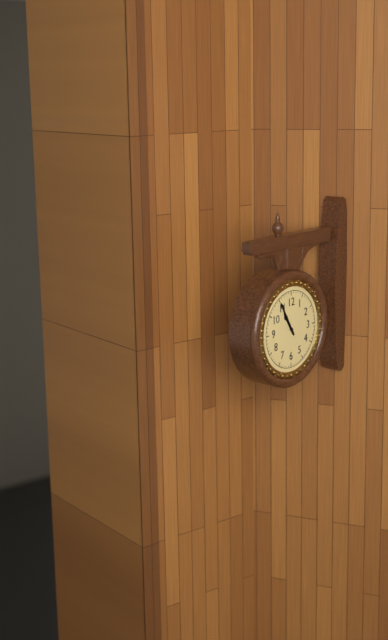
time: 10:55
